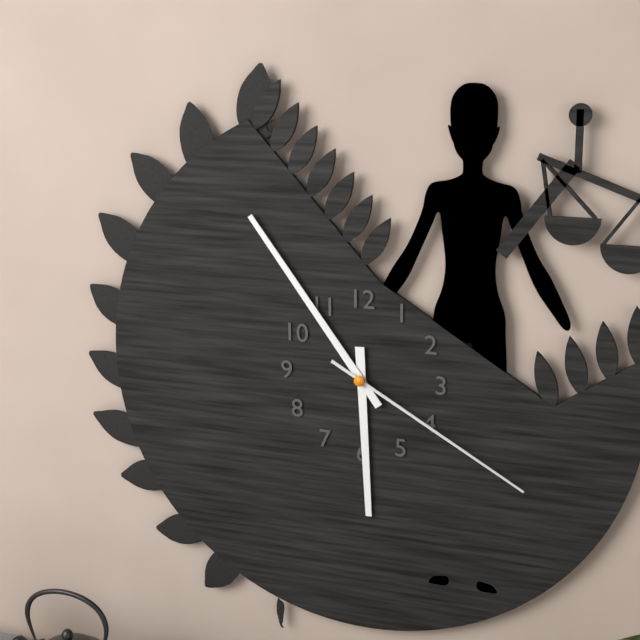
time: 5:54:20
